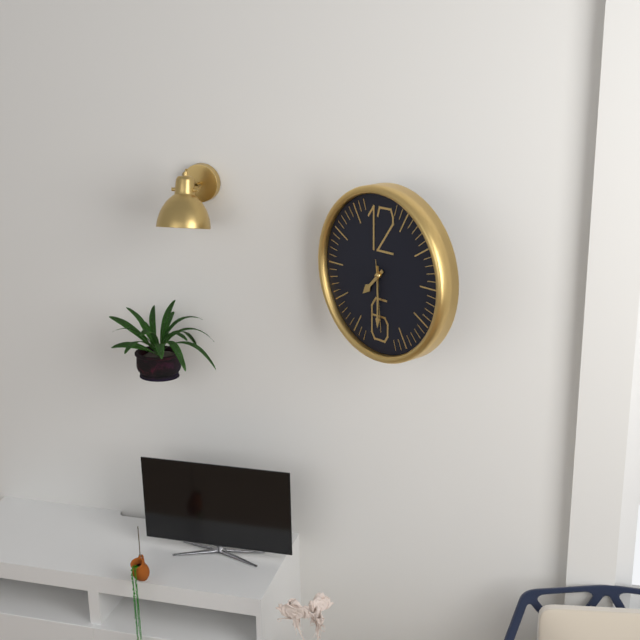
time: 7:30:29
